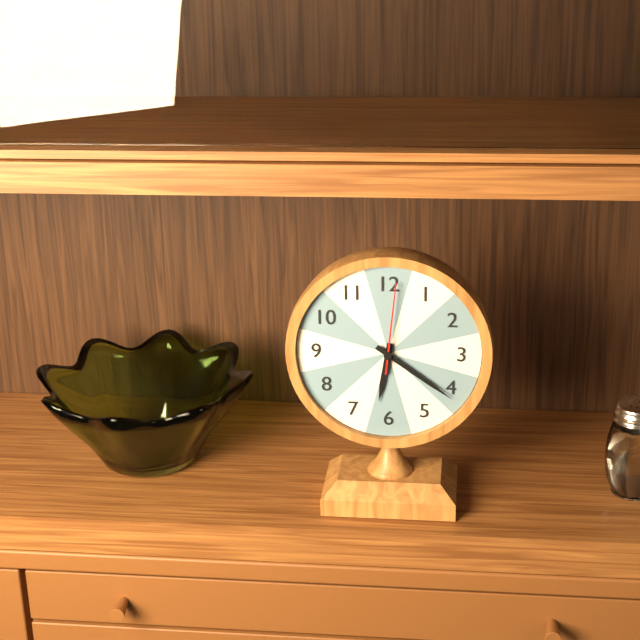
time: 6:21:01
